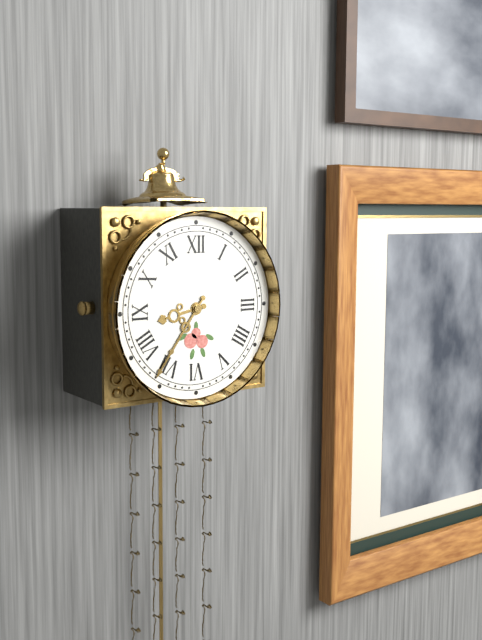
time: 8:36
